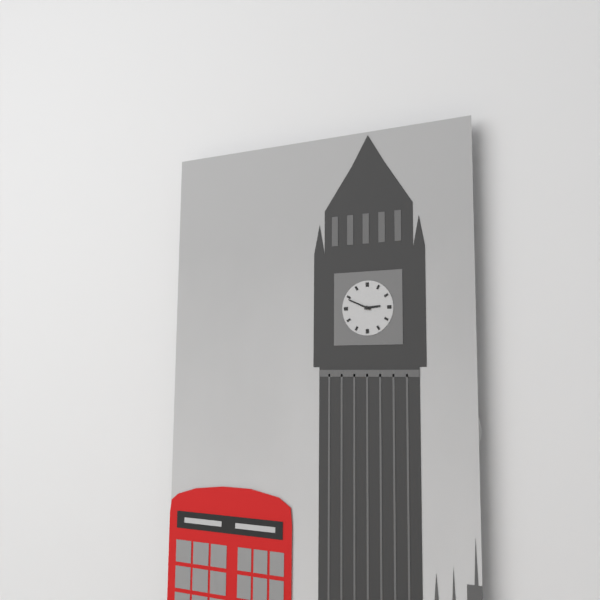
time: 2:49
